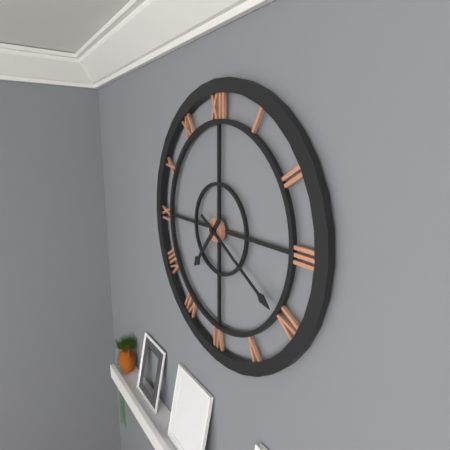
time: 7:20
